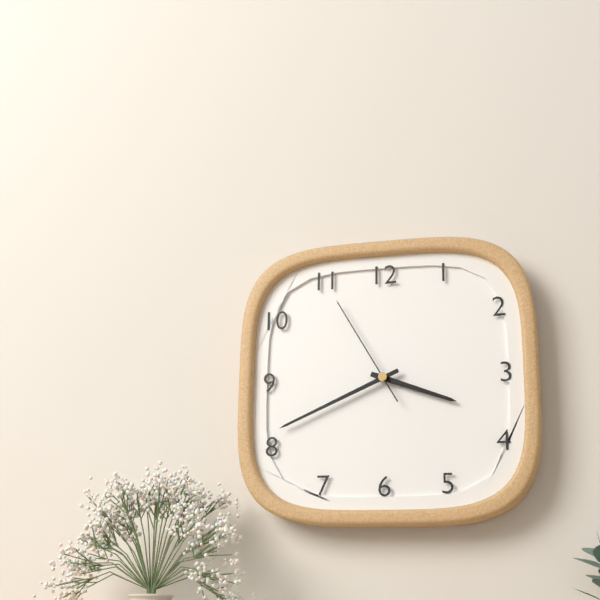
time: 3:41:55
